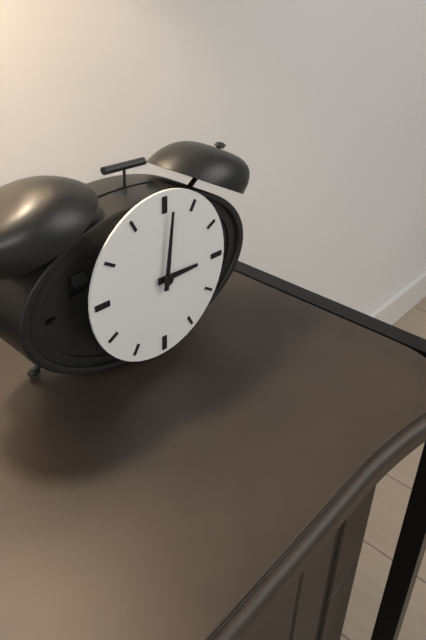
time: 3:01
